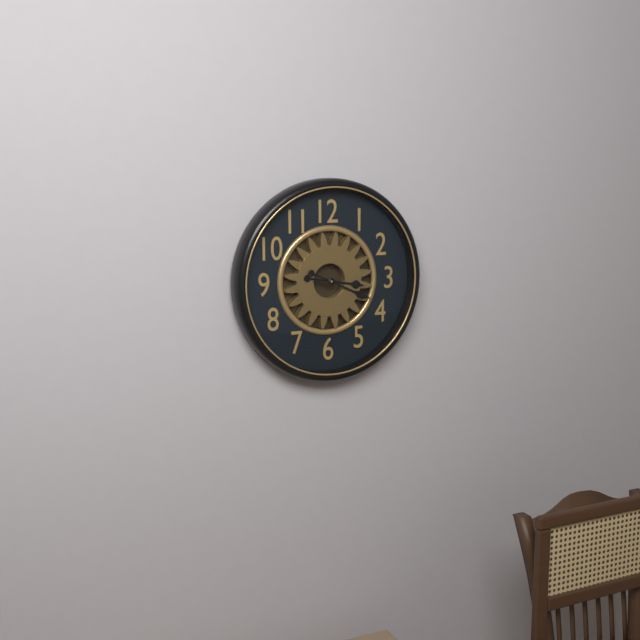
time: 3:19
